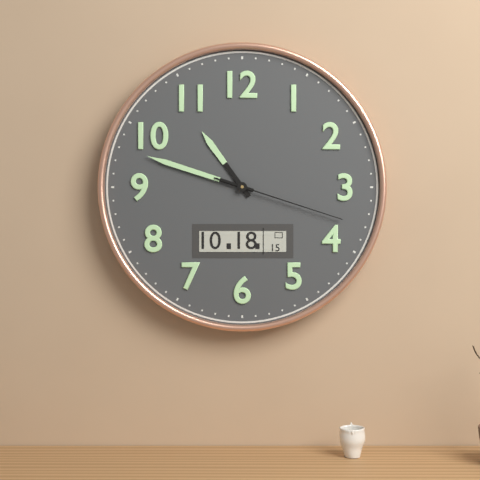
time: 10:48:18
